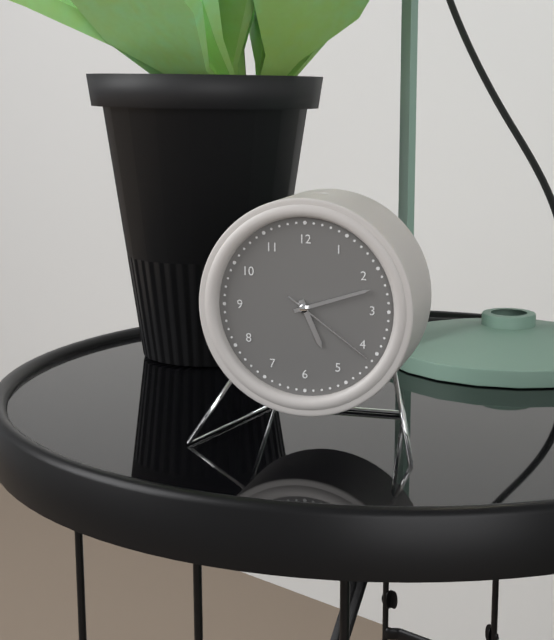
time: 5:12:21
